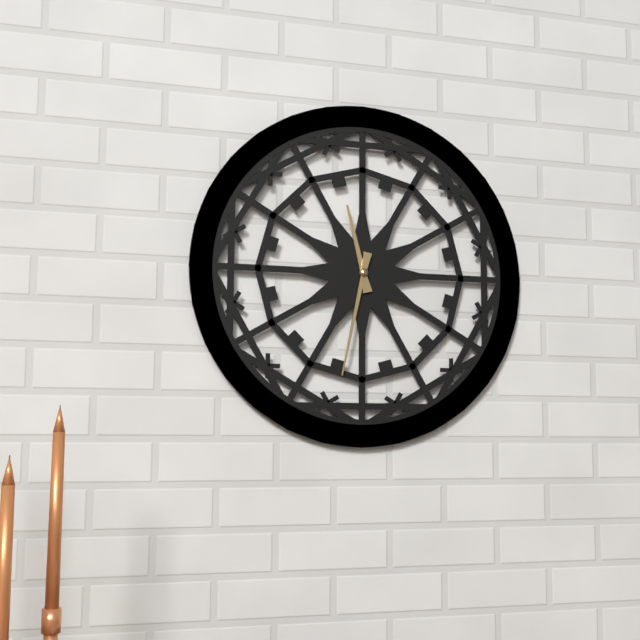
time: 11:32
